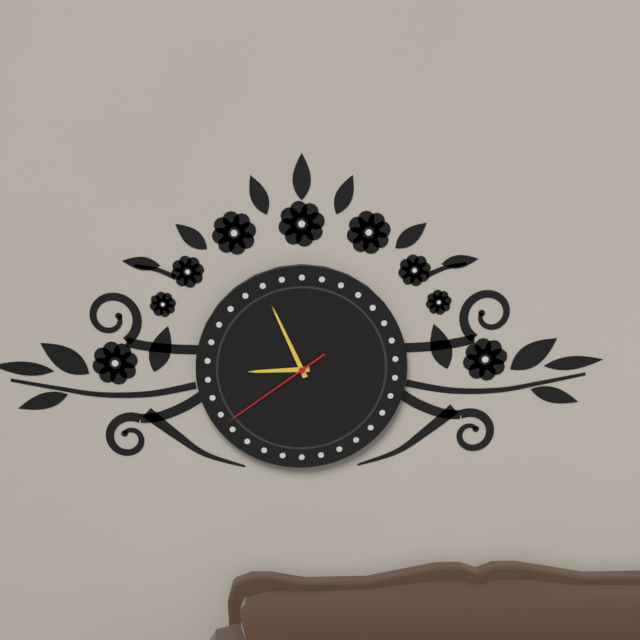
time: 8:56:39
